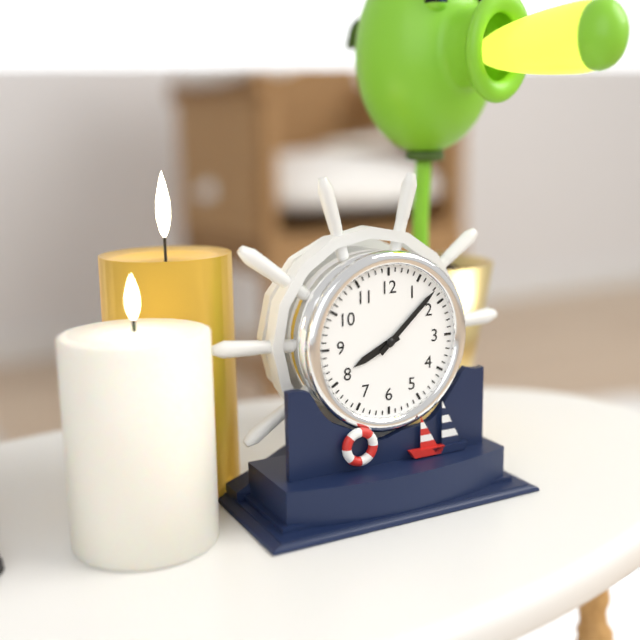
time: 8:08
